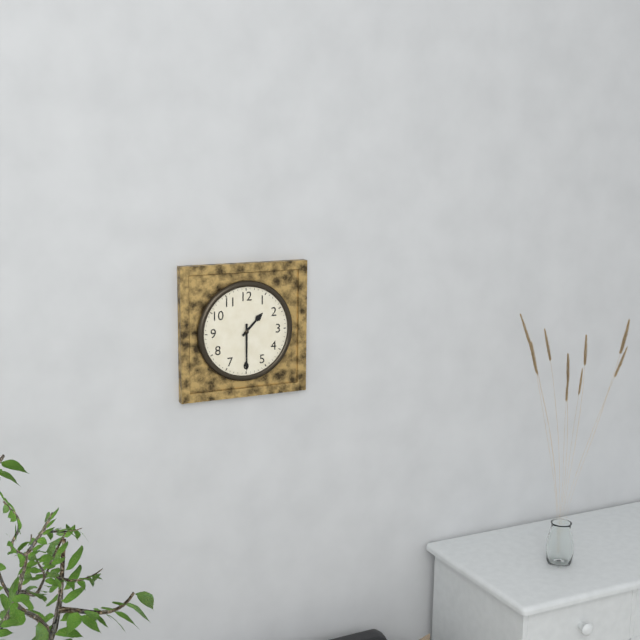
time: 1:30
